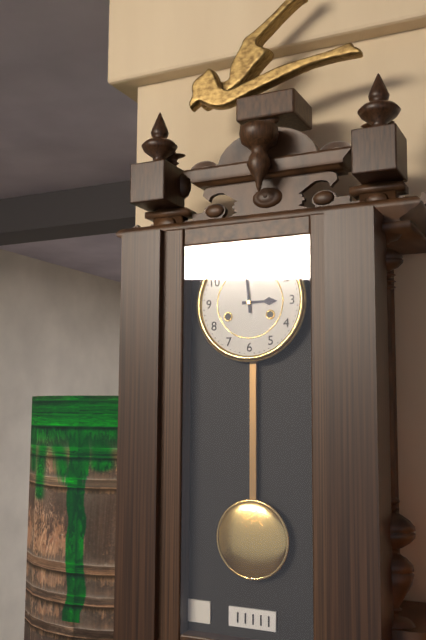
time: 2:59
